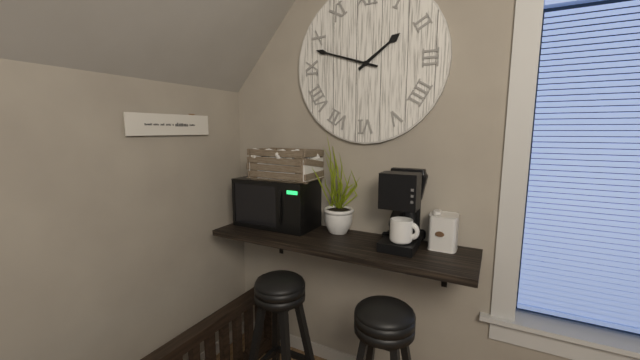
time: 1:48
